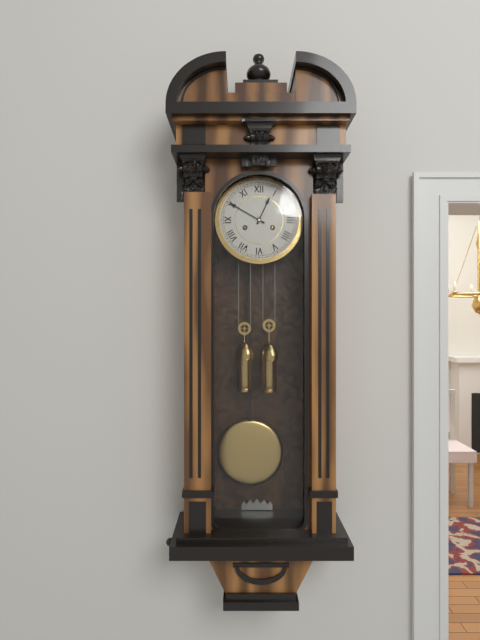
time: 12:50
